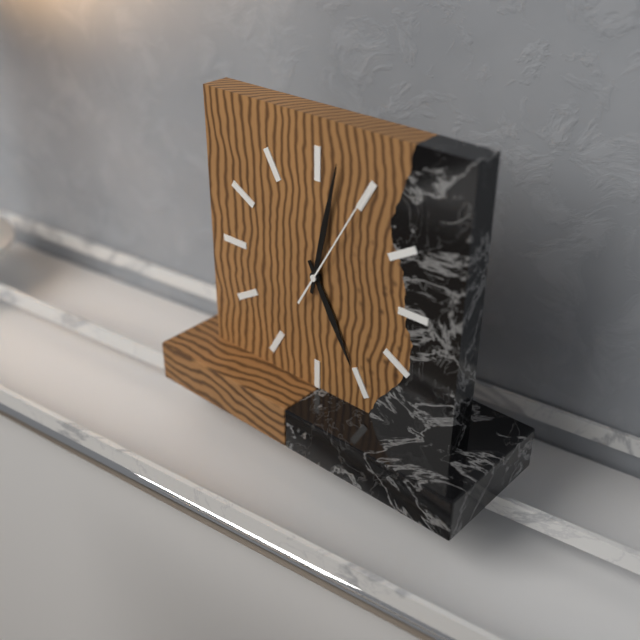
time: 5:02:05
